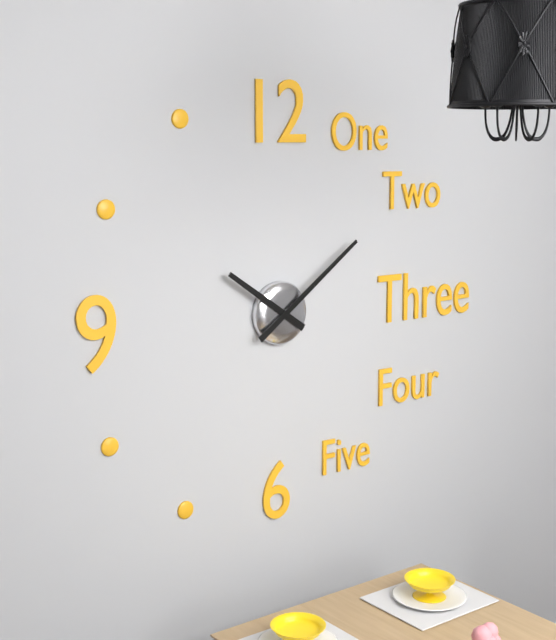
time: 10:09
